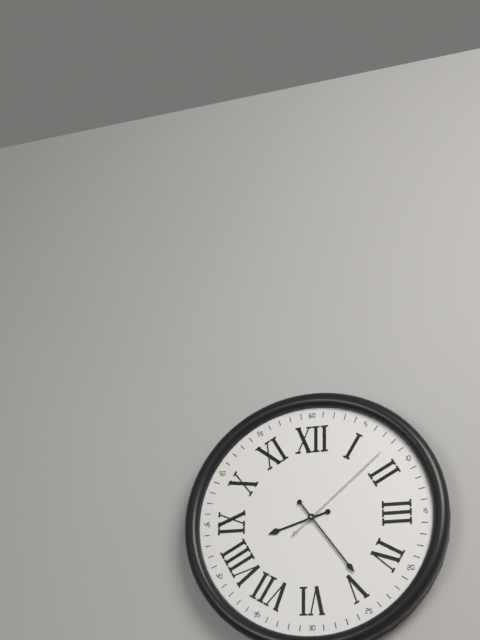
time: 8:24:08
